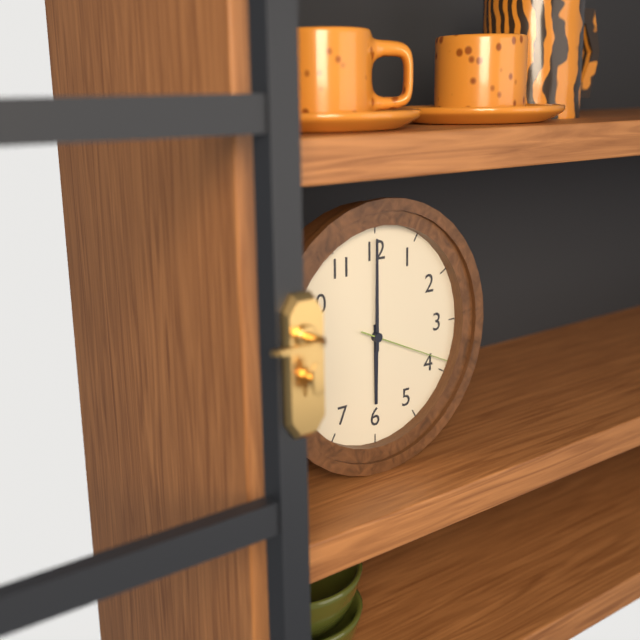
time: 6:00:19
